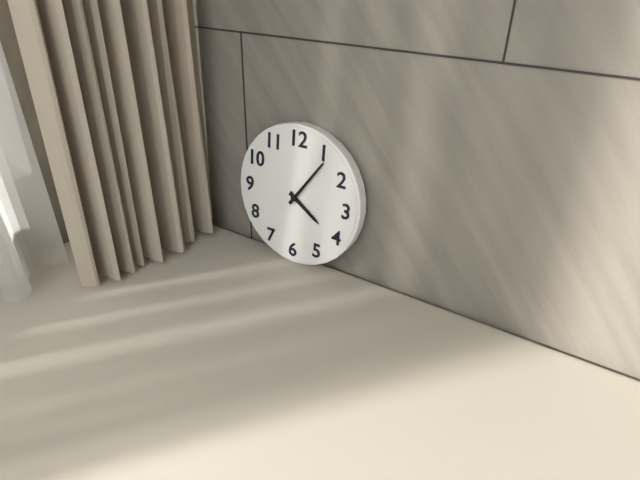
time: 4:06
